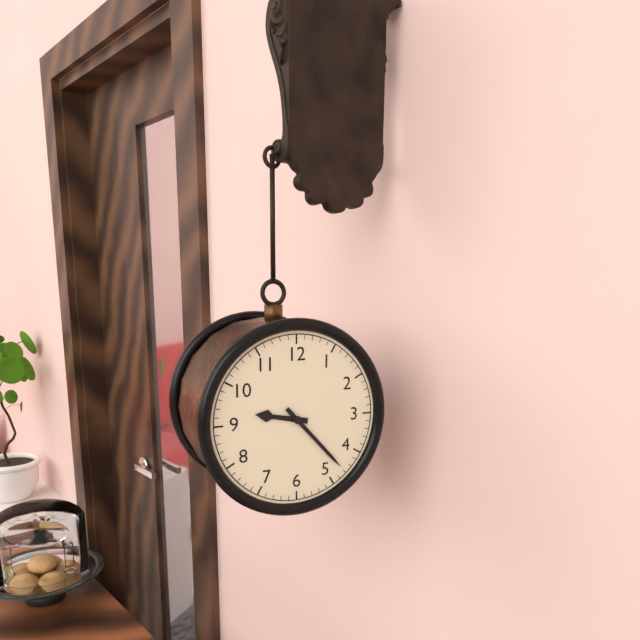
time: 9:23
